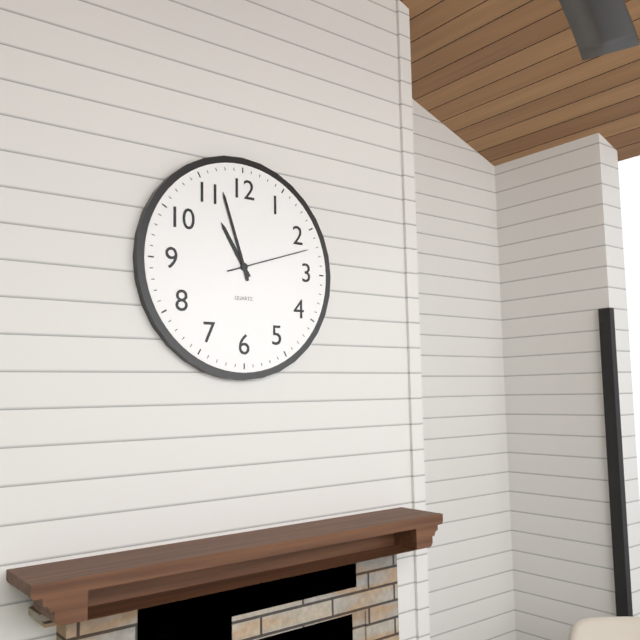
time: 10:57:12
